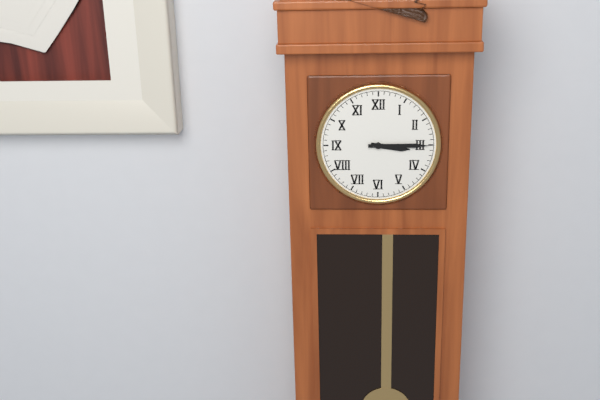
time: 3:15
